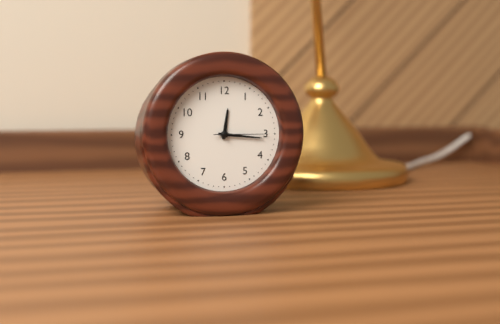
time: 12:16:15
